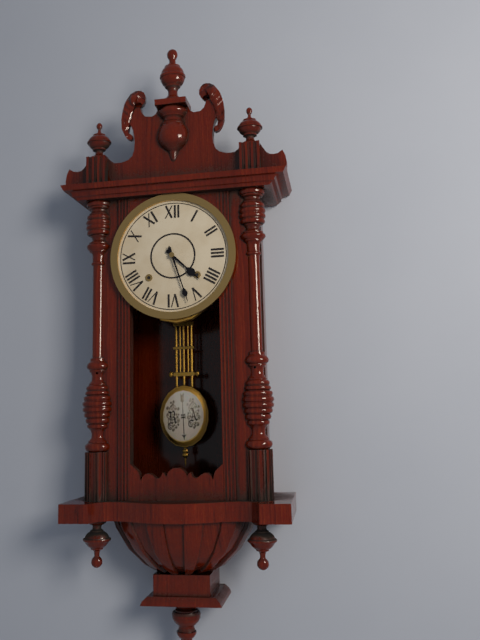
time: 4:27
